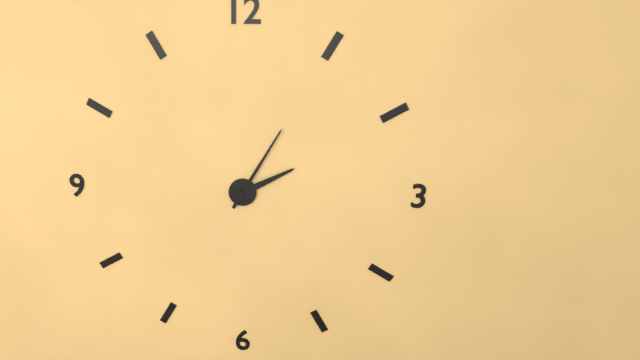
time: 2:05
